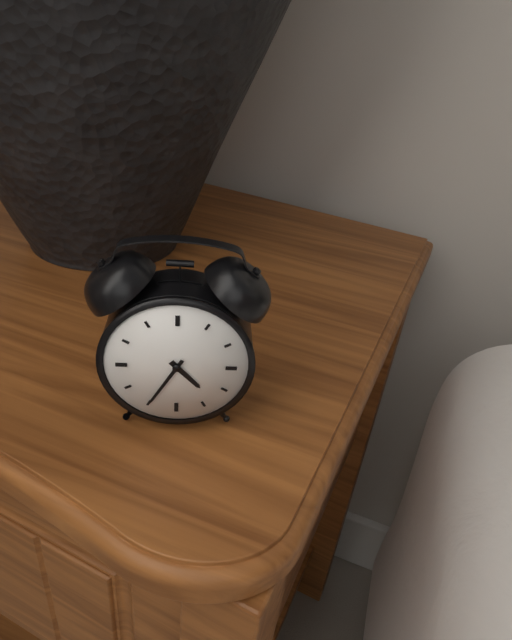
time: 4:35
